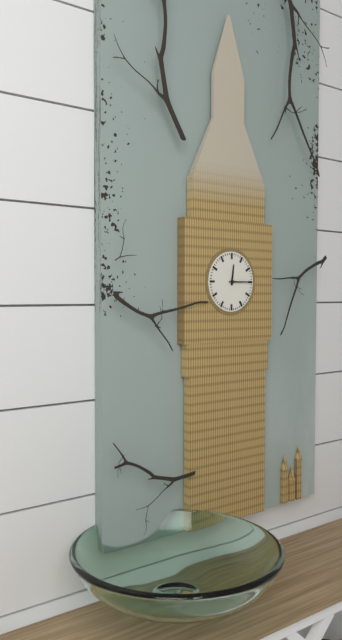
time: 12:15
